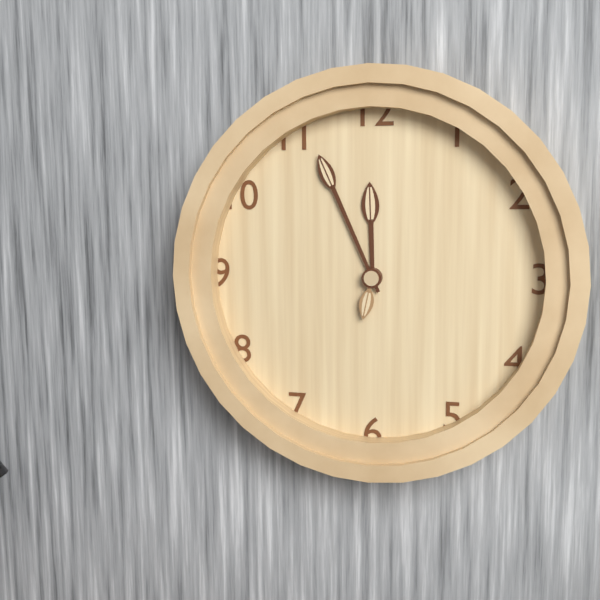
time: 11:56:32
